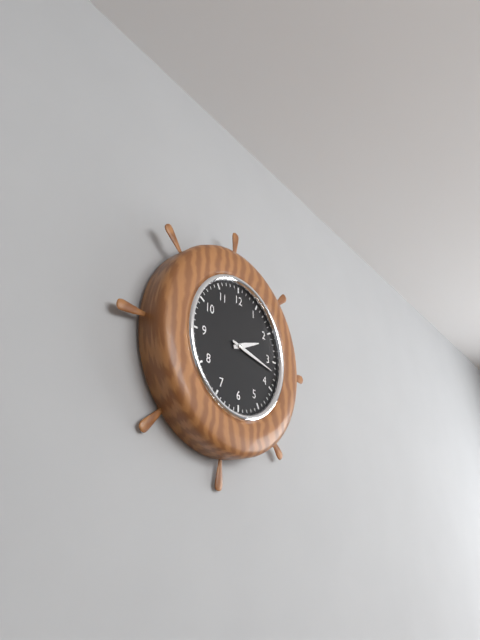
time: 2:17
